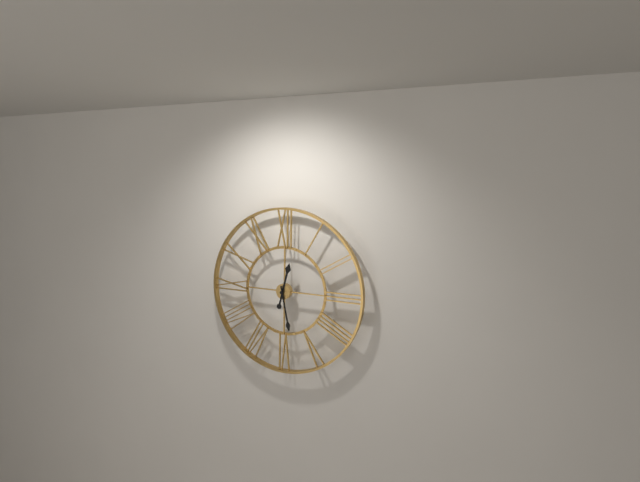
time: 12:28
